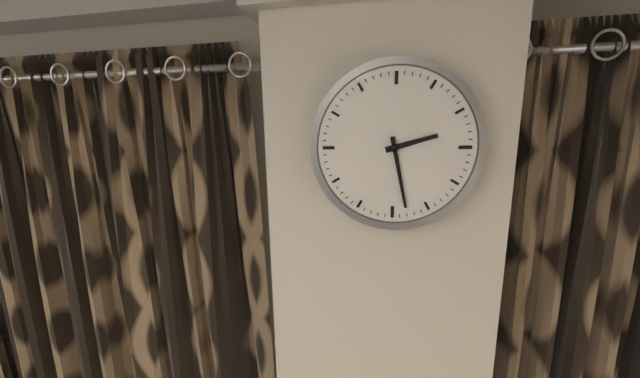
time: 2:28
